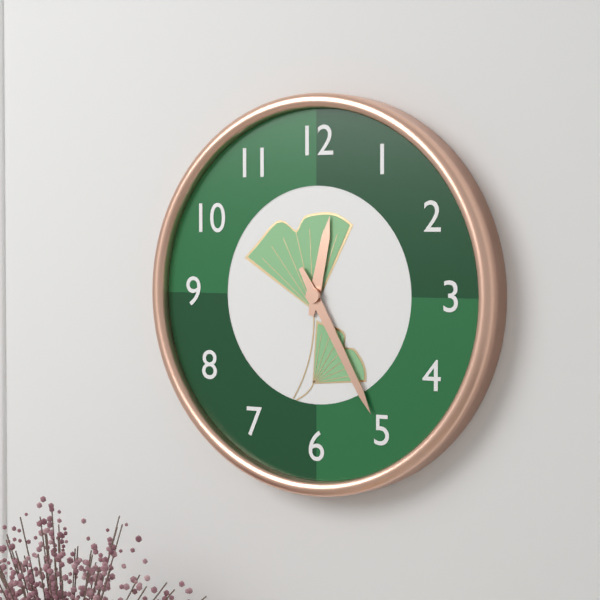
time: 12:25
